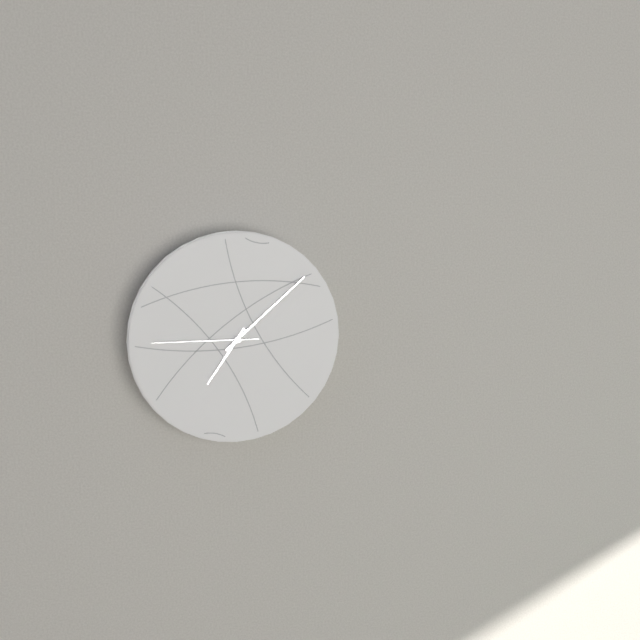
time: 7:08:45
